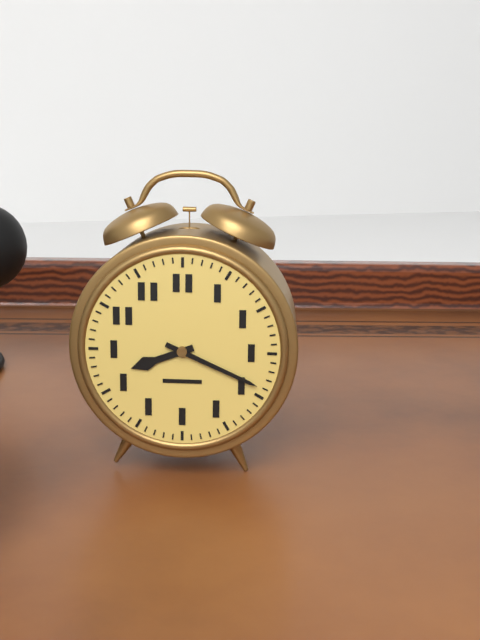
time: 8:19
